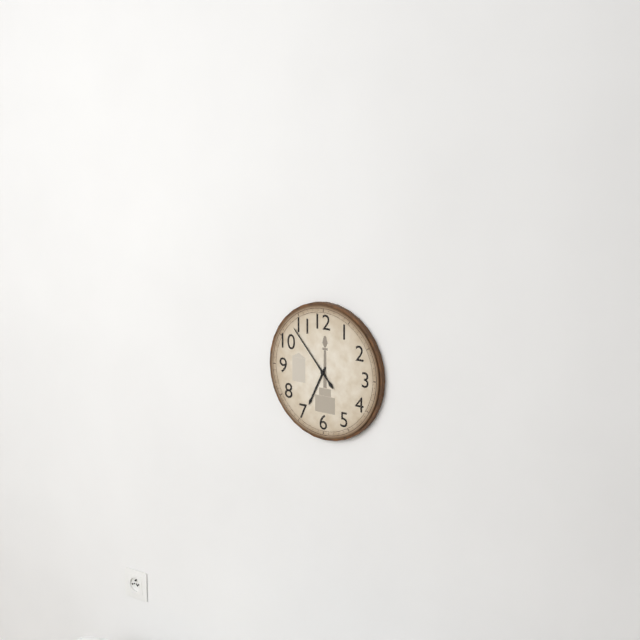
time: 6:53
